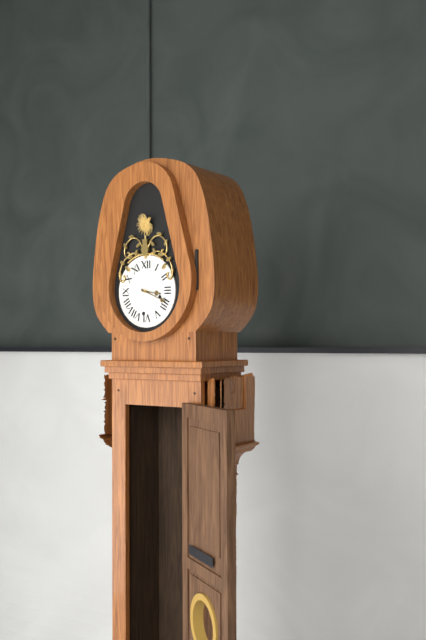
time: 3:19
